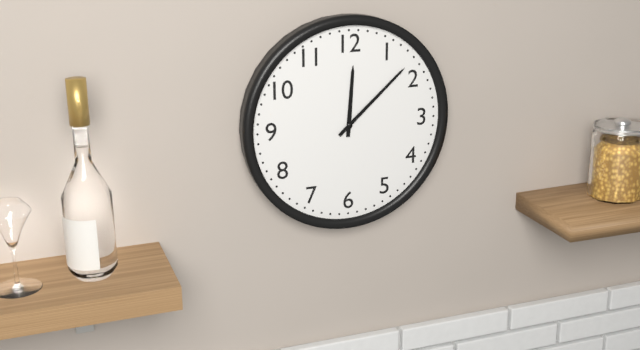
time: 12:08
